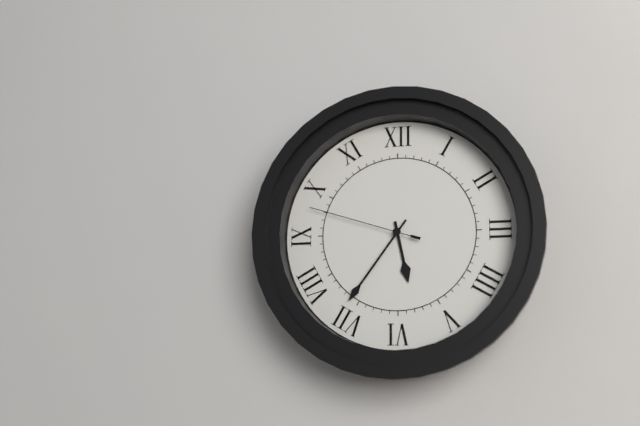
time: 5:36:48
